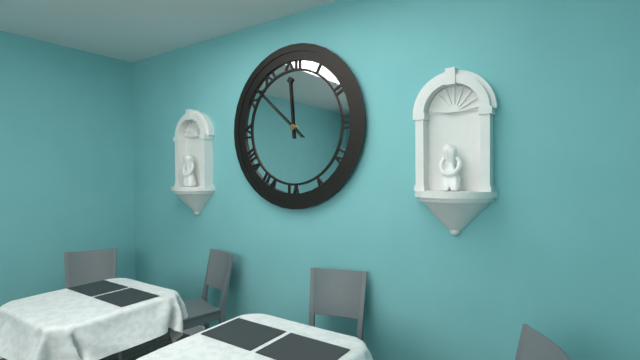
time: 11:52
